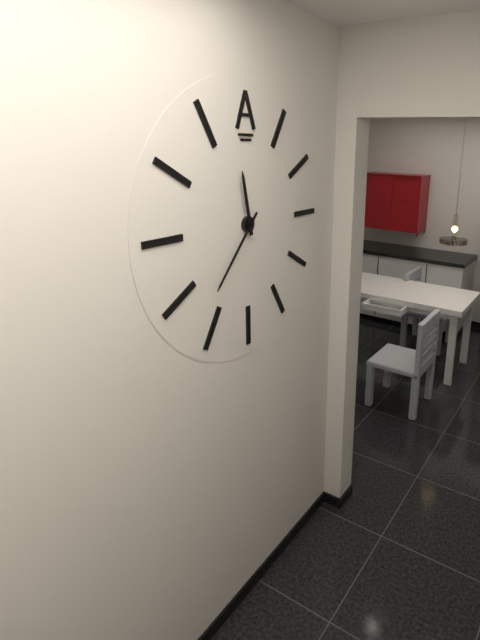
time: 11:37
